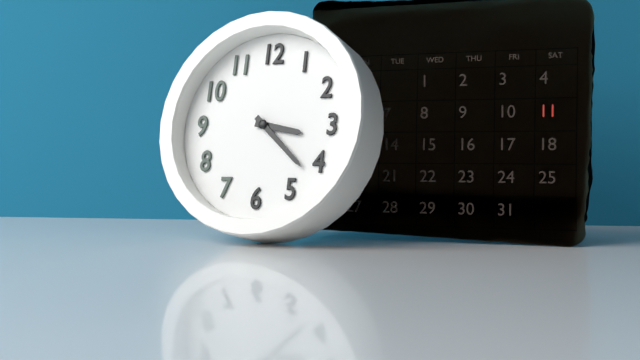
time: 3:22
